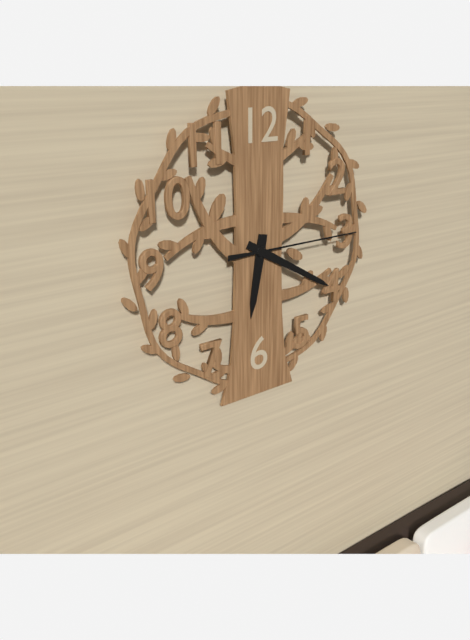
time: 6:20:15
